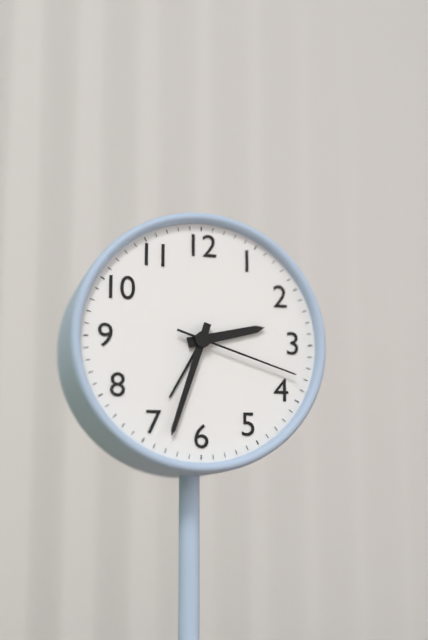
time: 2:33:18
